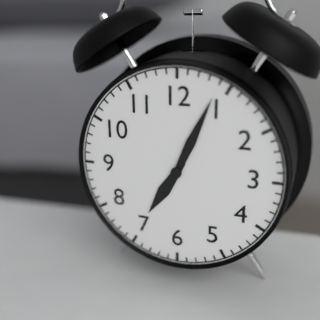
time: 7:04
